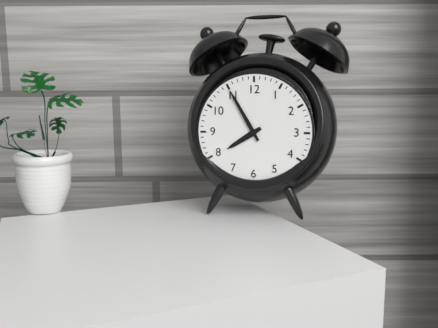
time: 7:55
